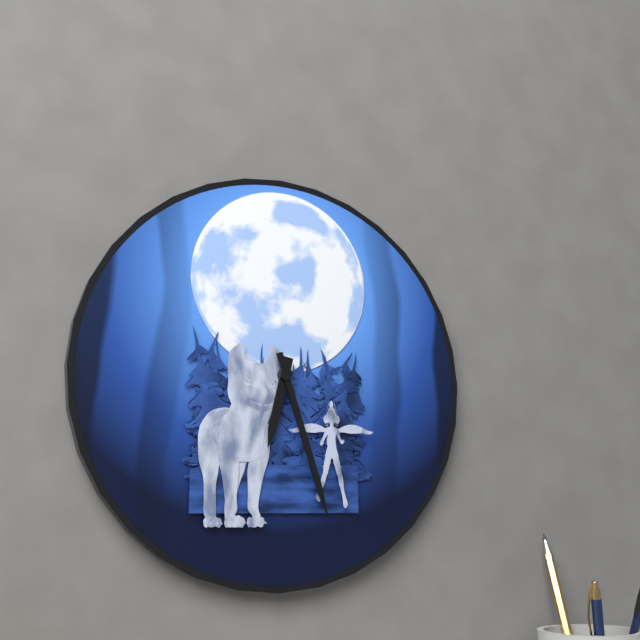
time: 6:27
